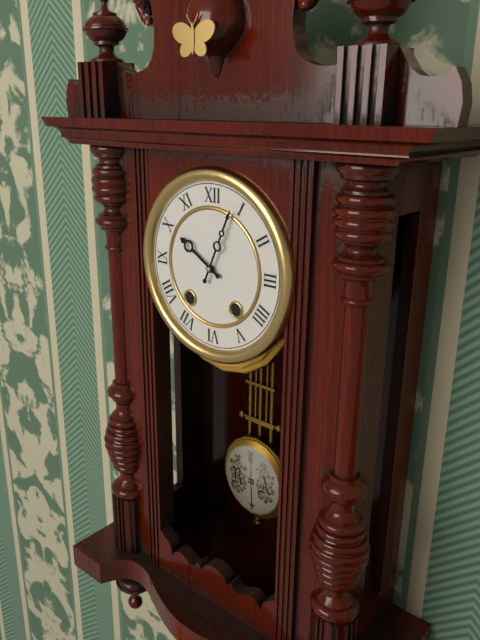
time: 10:04
